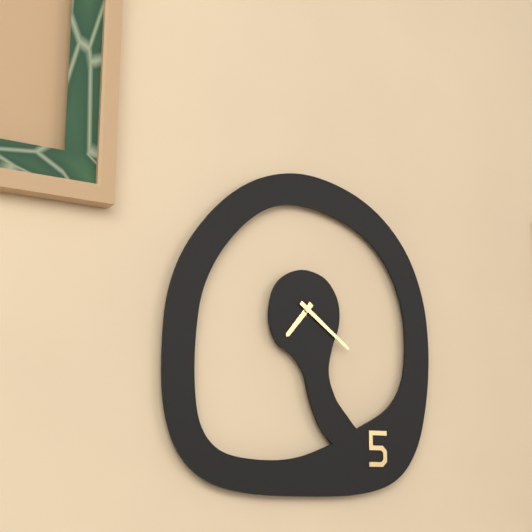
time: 7:21
